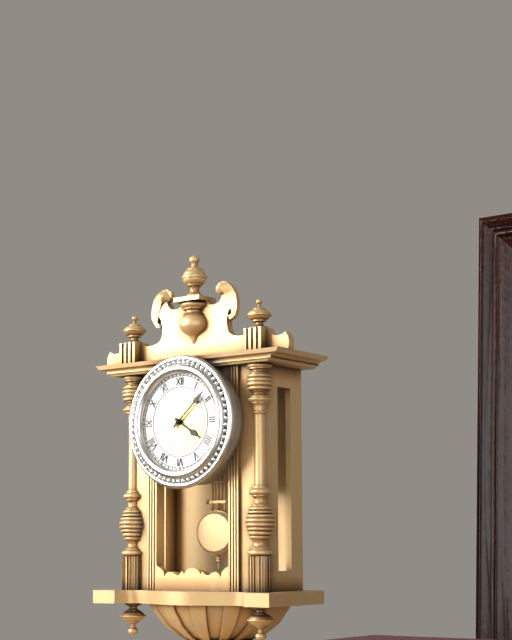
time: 4:08
